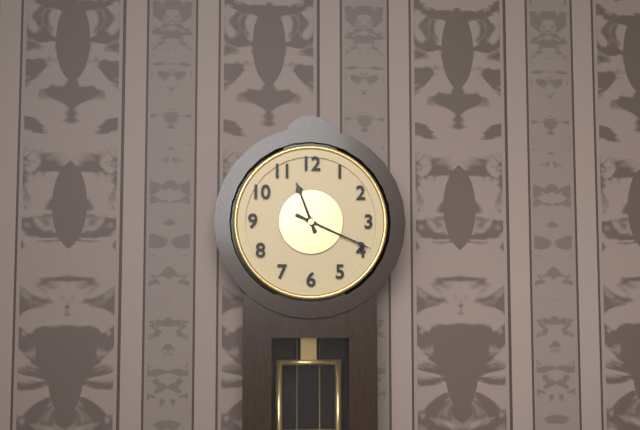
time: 11:19
